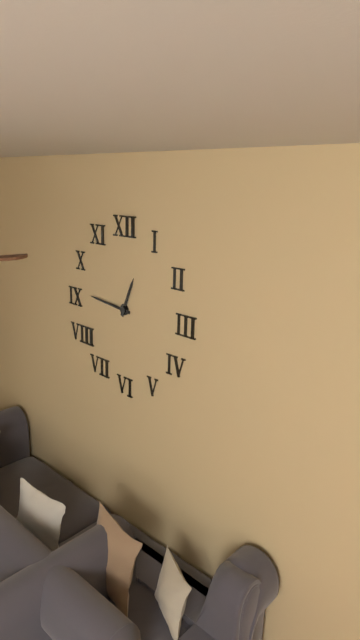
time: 12:46
